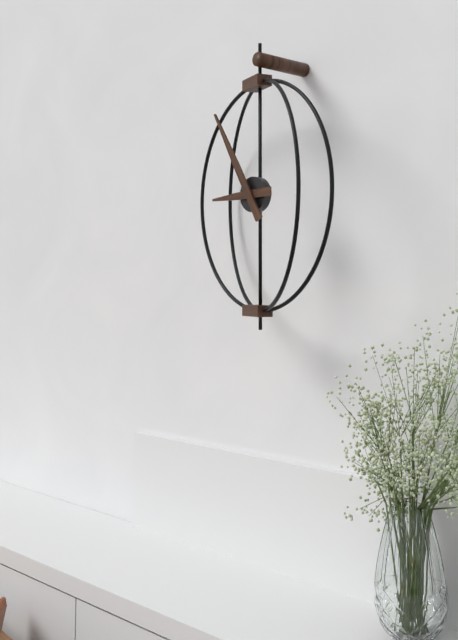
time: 8:55
